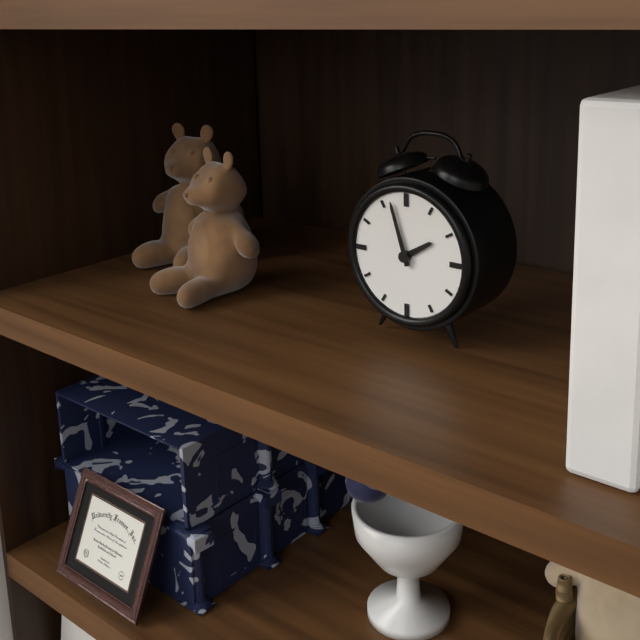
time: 1:57
